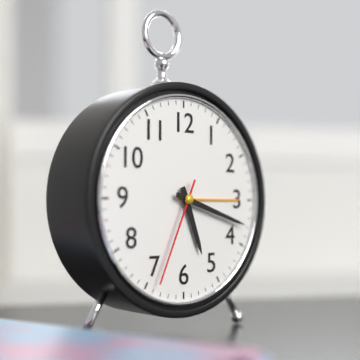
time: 5:18:34
